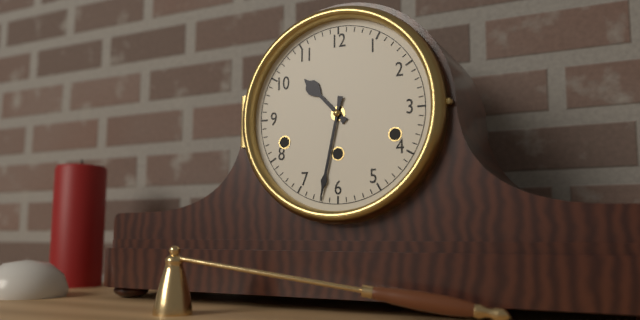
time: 10:32
